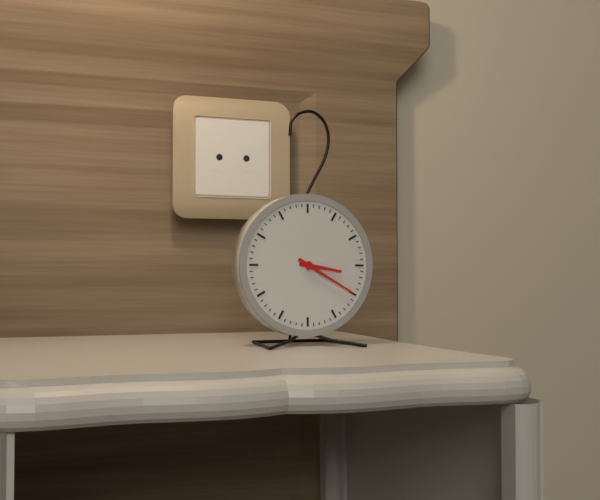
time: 3:20
